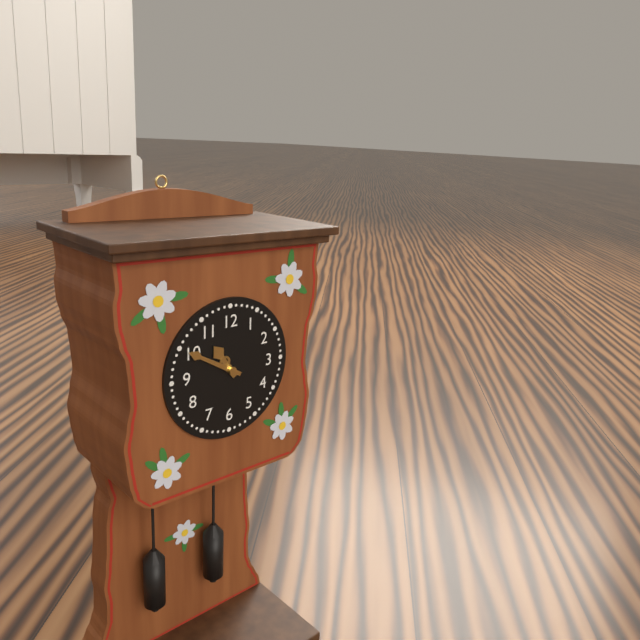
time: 10:50
